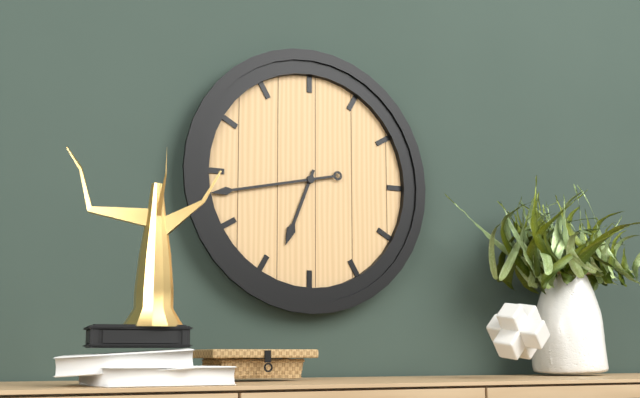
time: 6:43
